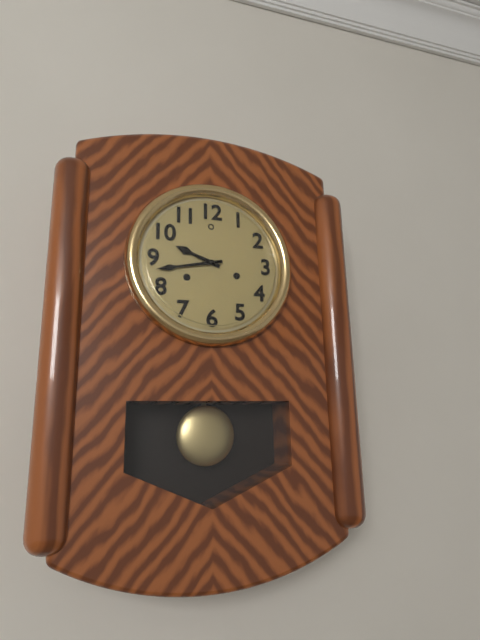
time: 9:43
